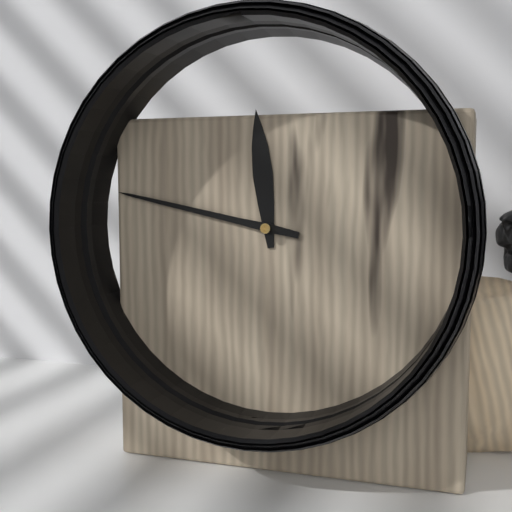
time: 11:47
